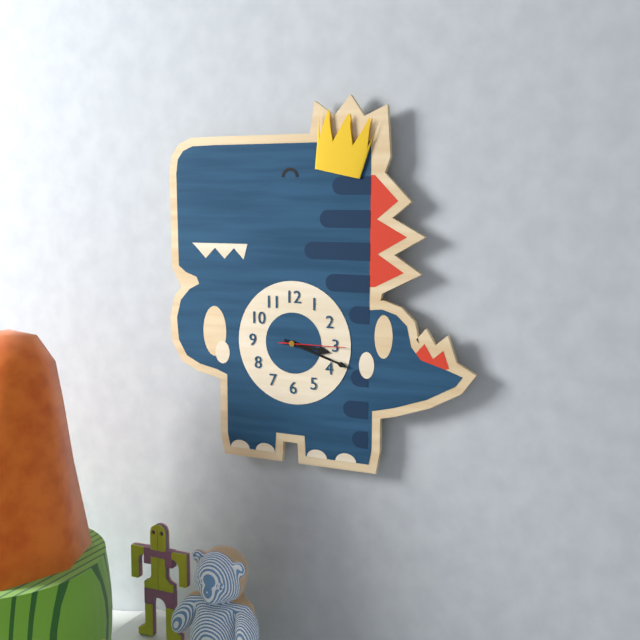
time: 3:18:15
